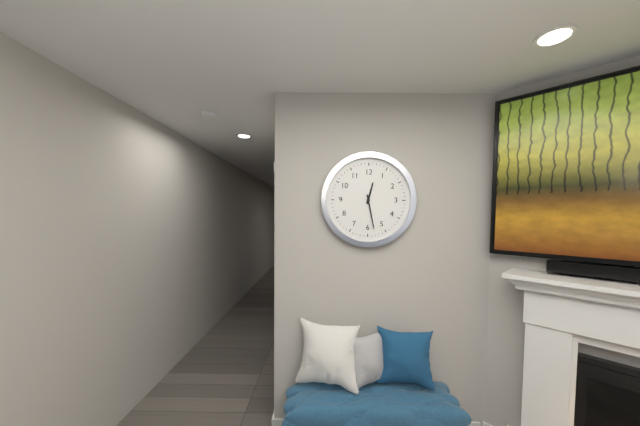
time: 12:28
